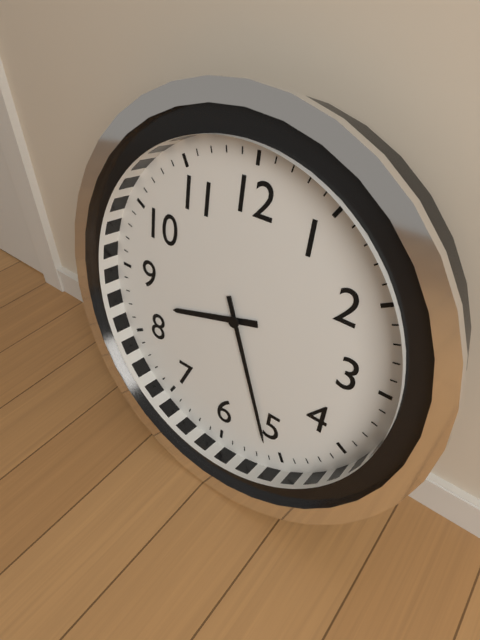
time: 8:26
